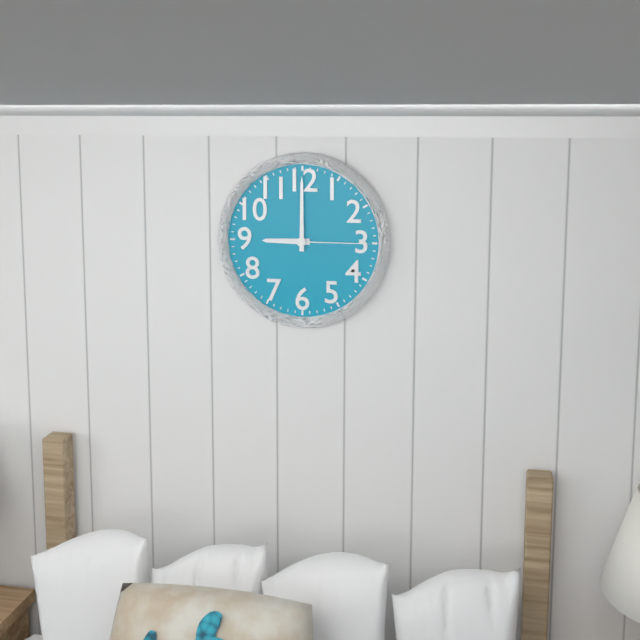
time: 9:00:15
